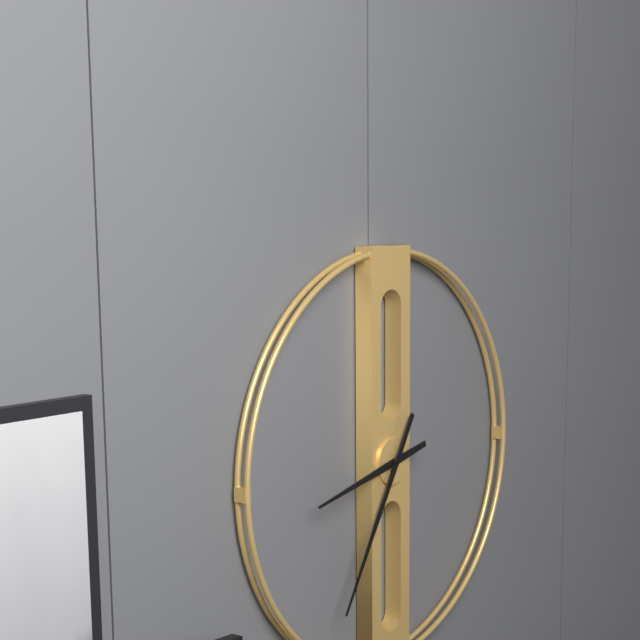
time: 8:35
